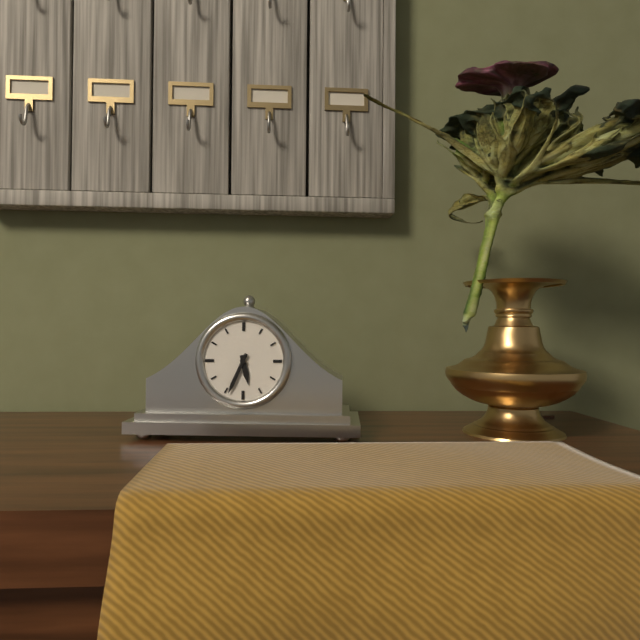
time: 5:34
